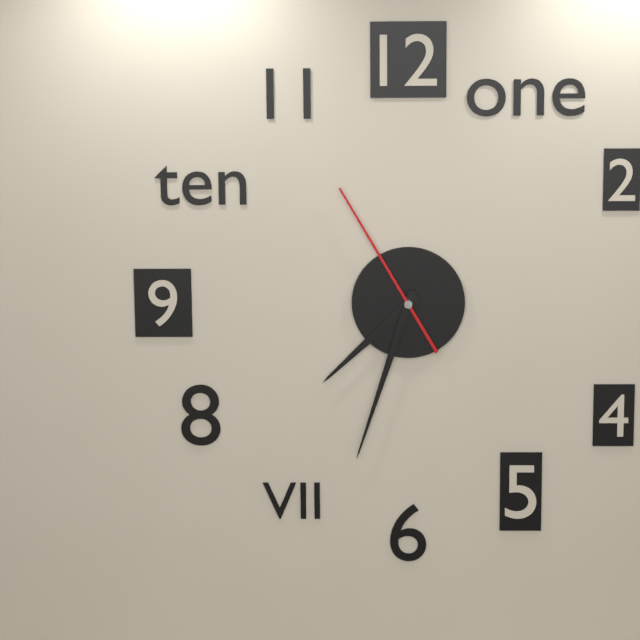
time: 7:33:55
